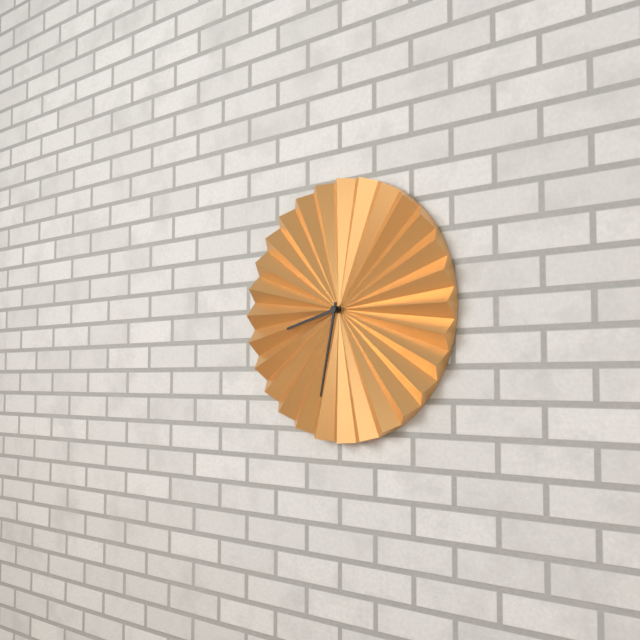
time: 8:32
